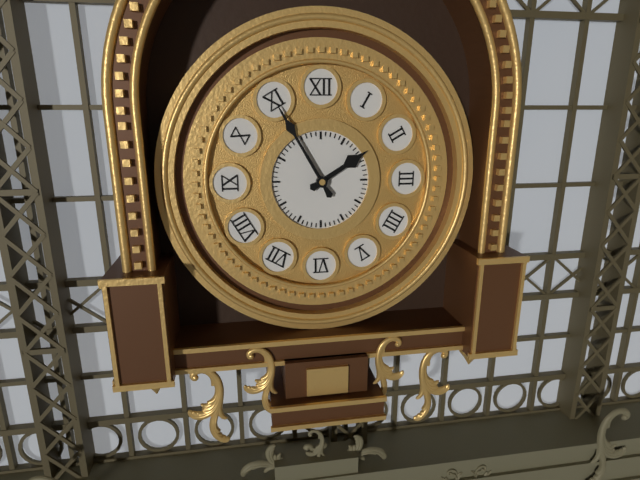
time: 1:55
